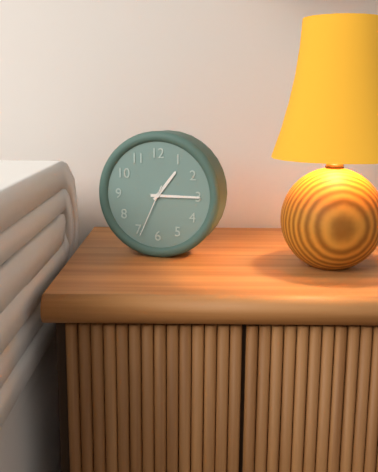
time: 1:15:34
